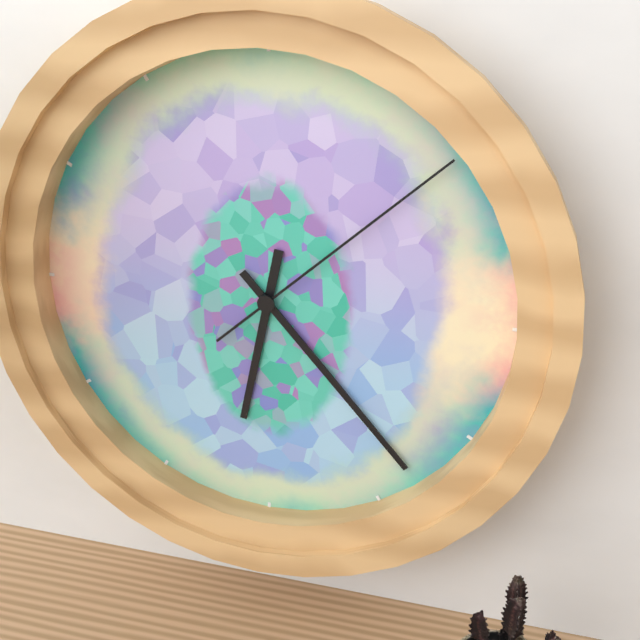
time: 6:23:08
